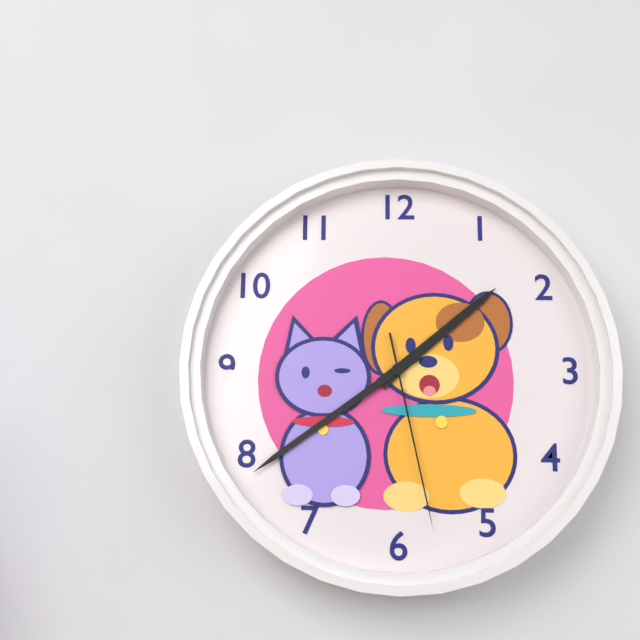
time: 1:39:28
